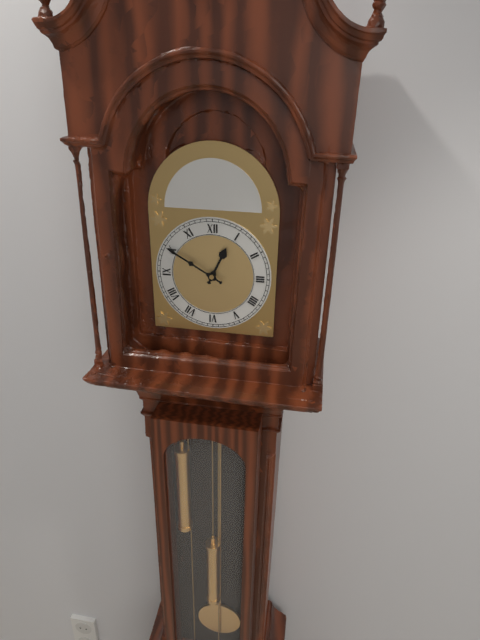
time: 12:50
